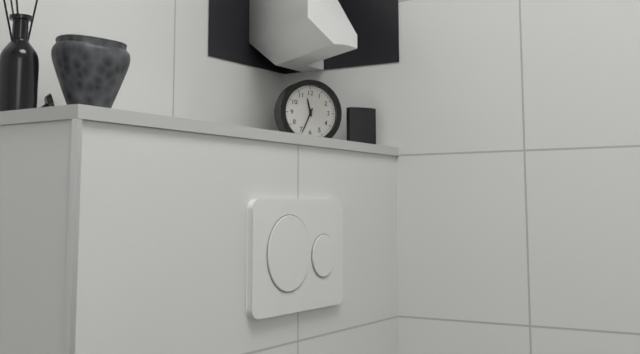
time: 11:34
